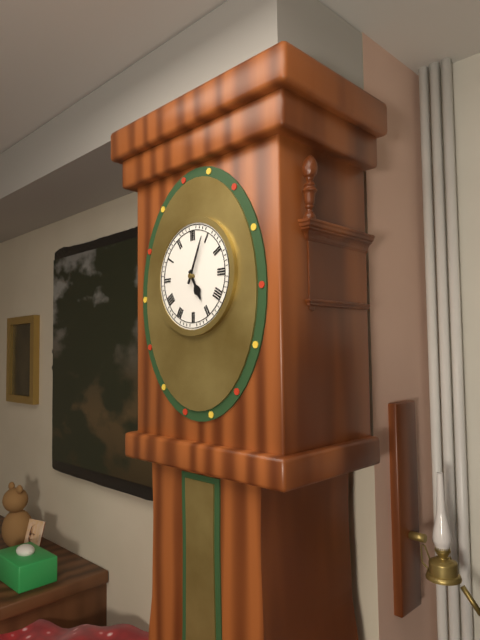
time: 5:04
